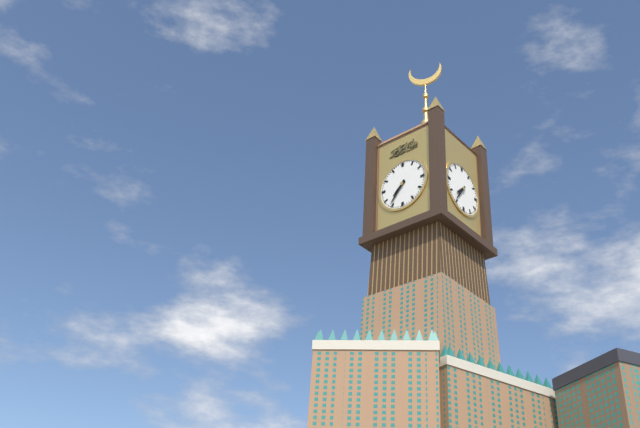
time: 7:36
